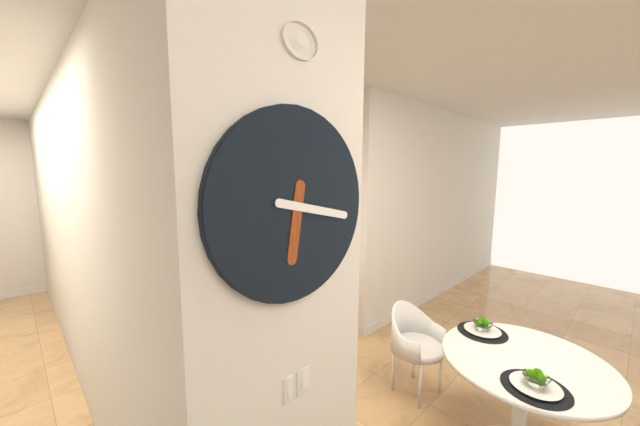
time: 6:17
